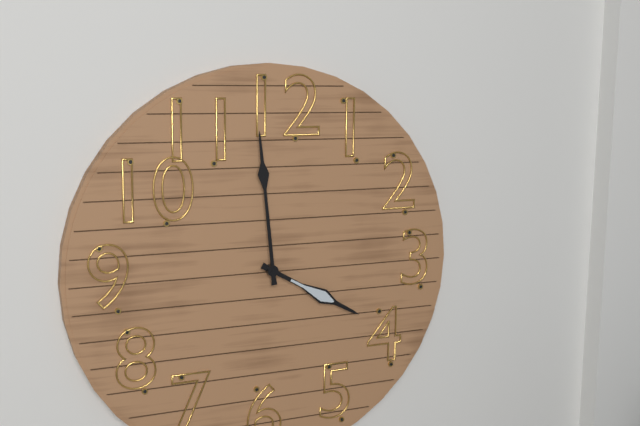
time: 3:59
